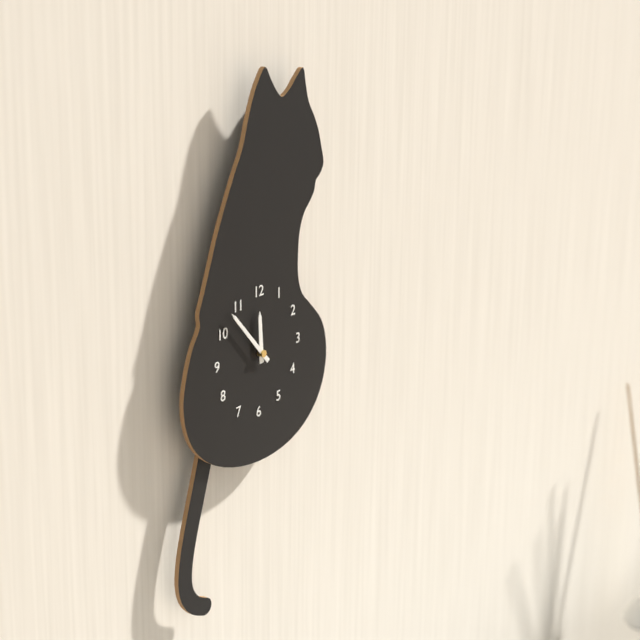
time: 11:53
